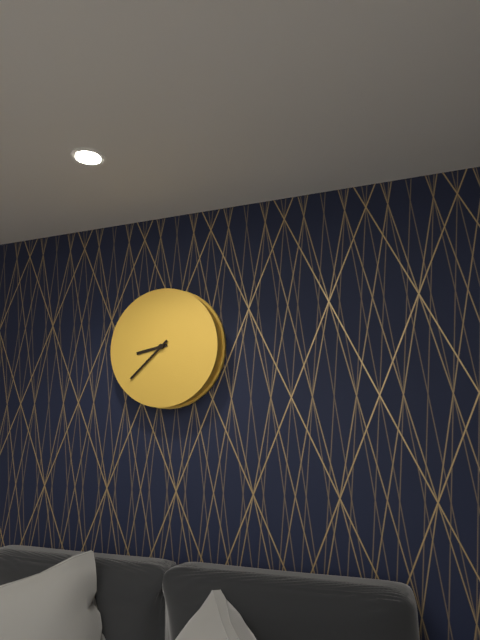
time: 8:38
